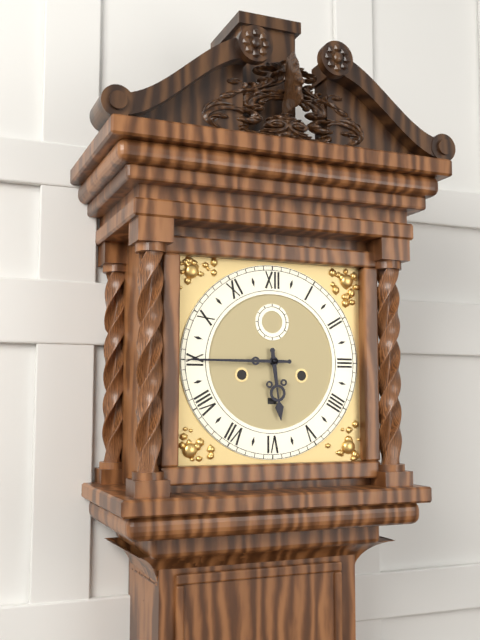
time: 5:45
